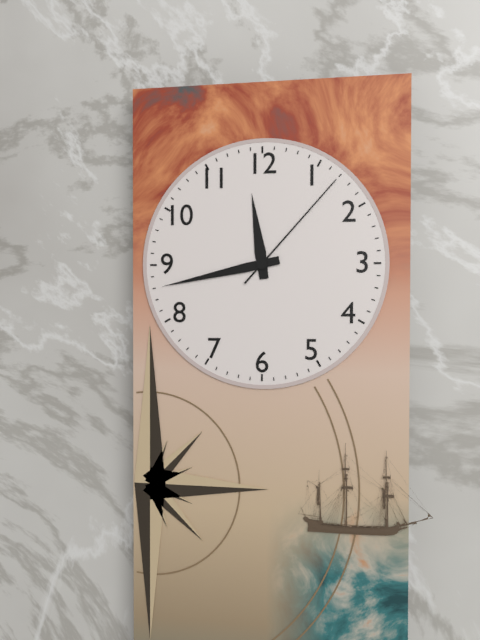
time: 11:43:07
